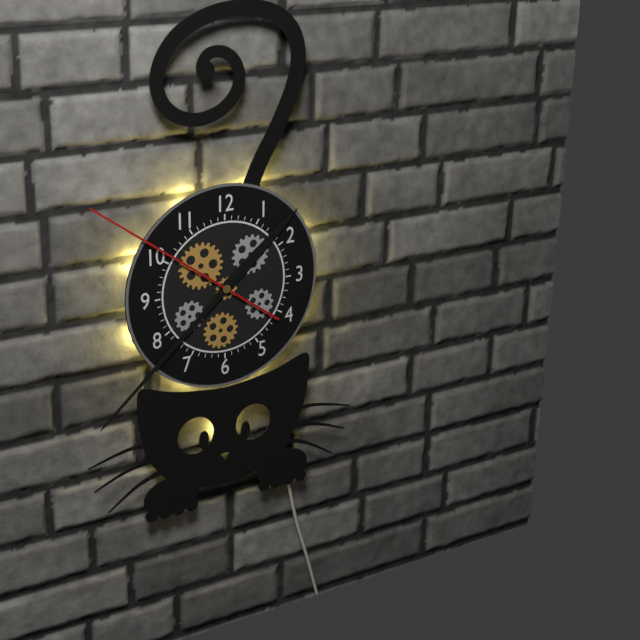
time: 1:38:51
